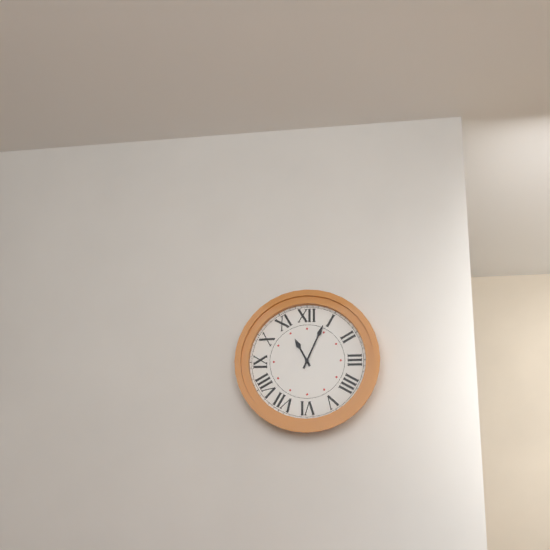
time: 11:04
